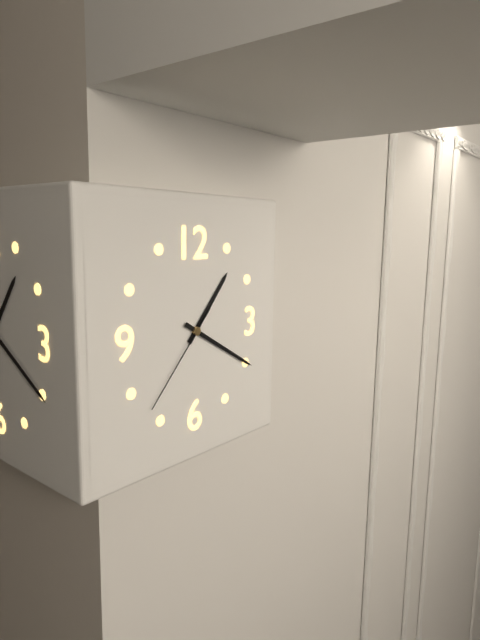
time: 1:20:37
